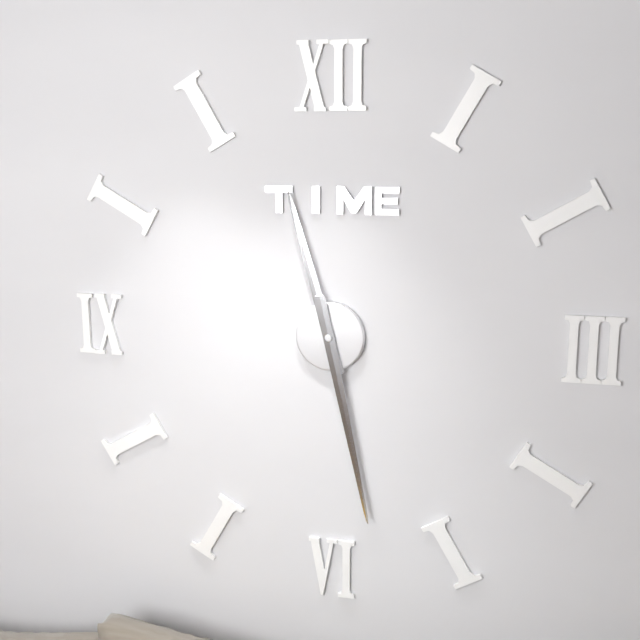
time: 11:28
